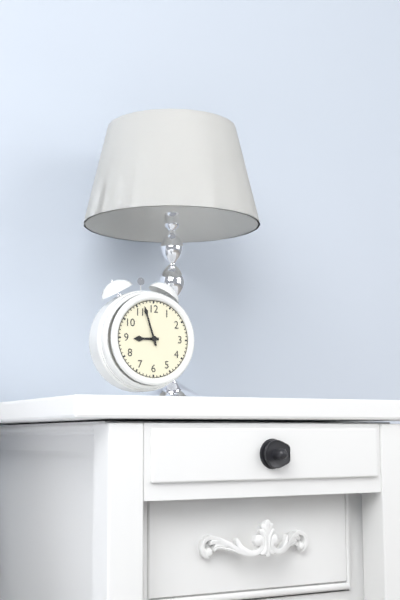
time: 8:57
